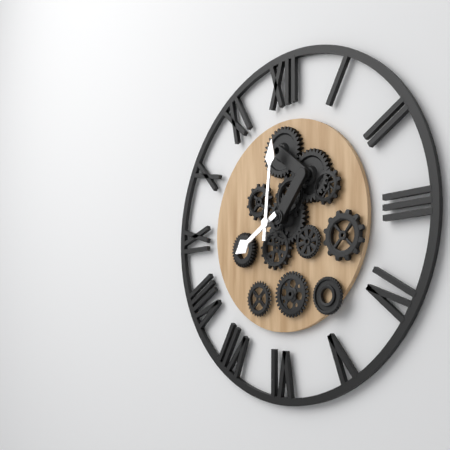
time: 8:01
